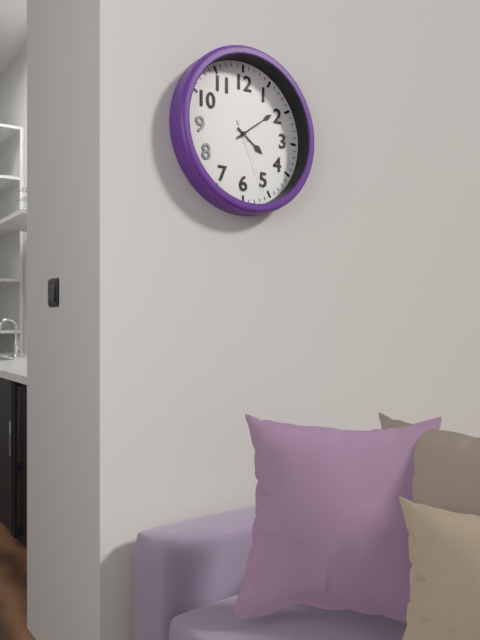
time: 4:09:26
